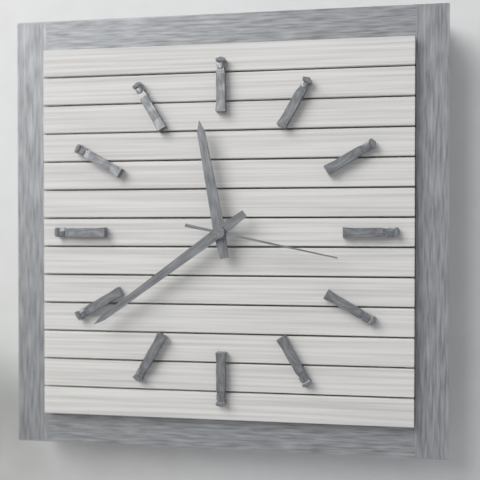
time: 11:39:17
